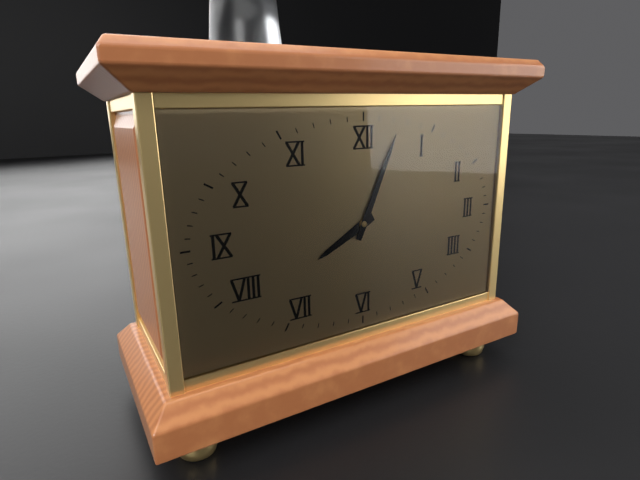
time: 8:04
